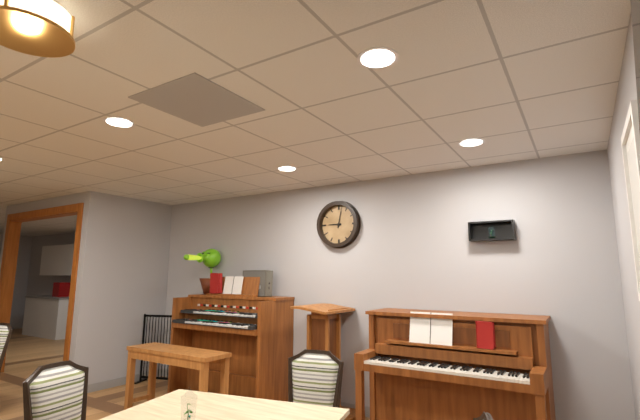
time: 9:02
